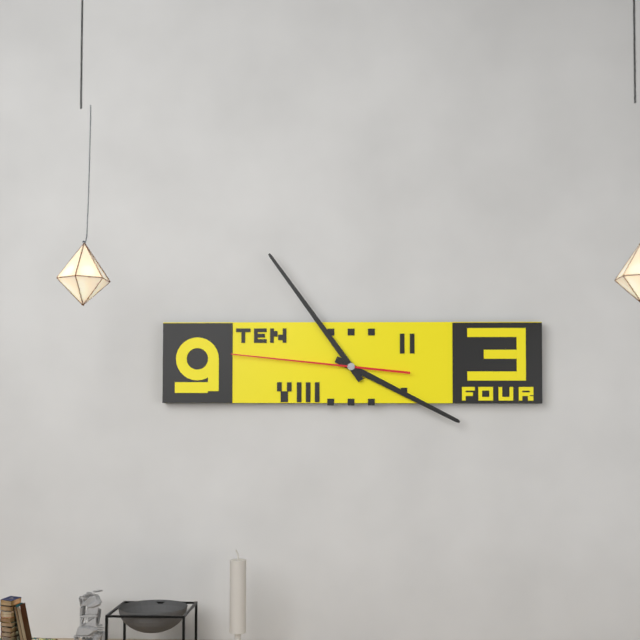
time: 3:54:46
